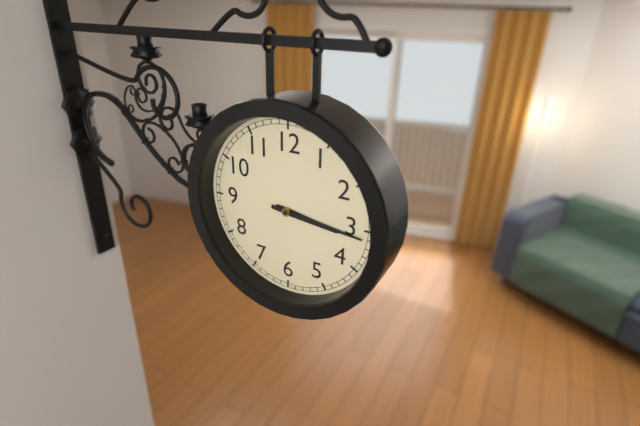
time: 3:16
